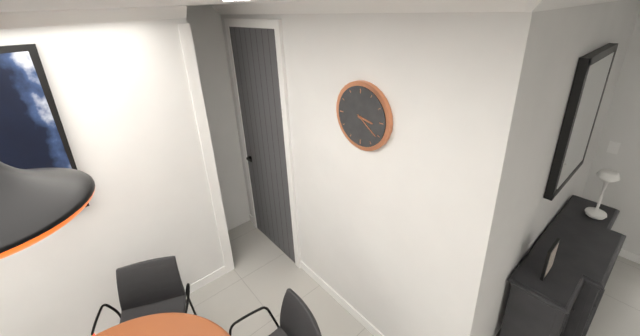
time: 3:21
